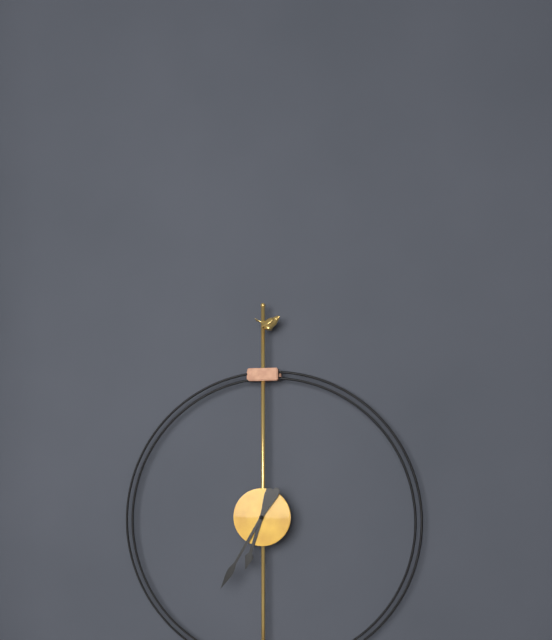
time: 6:35
